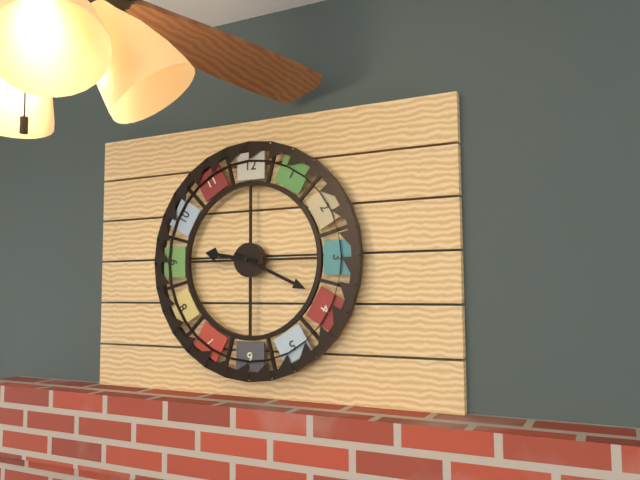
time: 9:19
